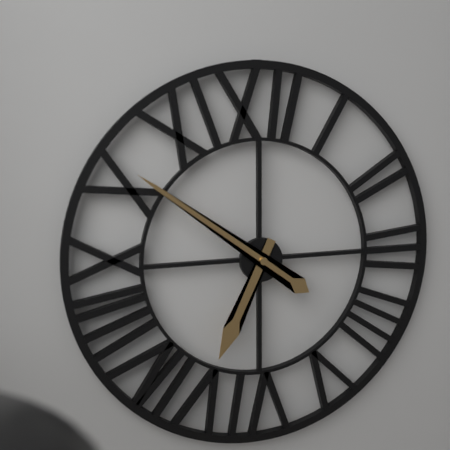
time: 6:51
